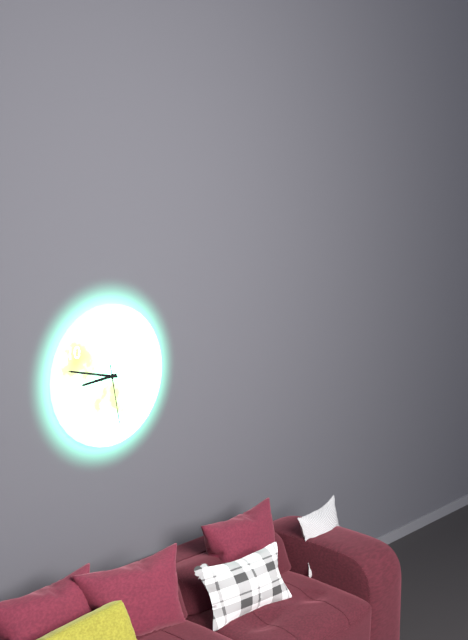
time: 8:47:28
